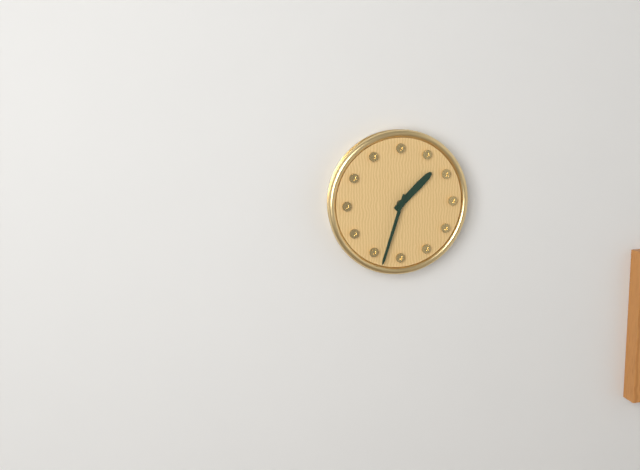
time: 1:33
